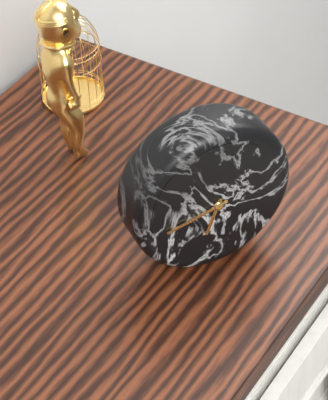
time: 6:43
